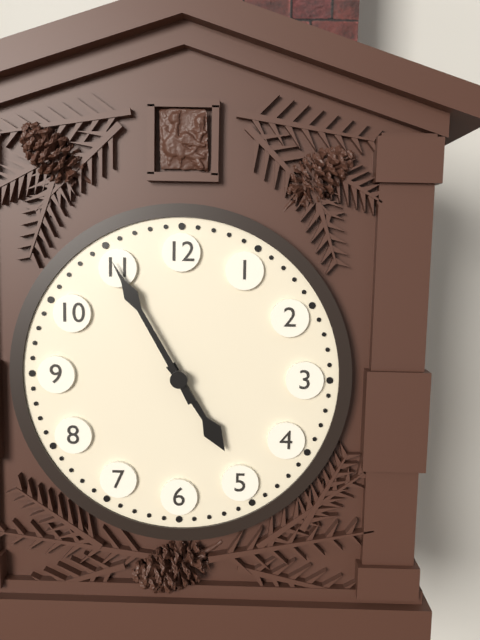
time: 4:55
